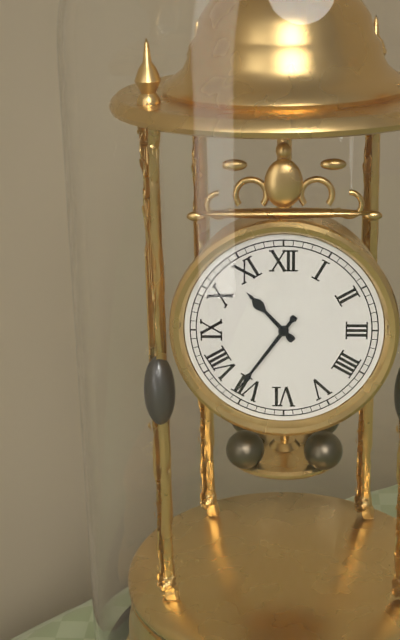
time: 10:36
